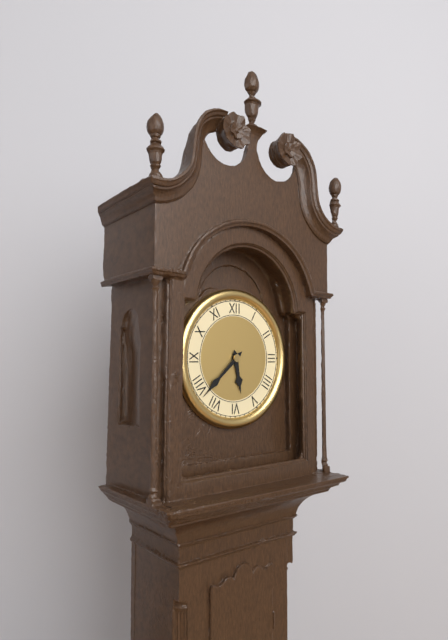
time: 5:38
